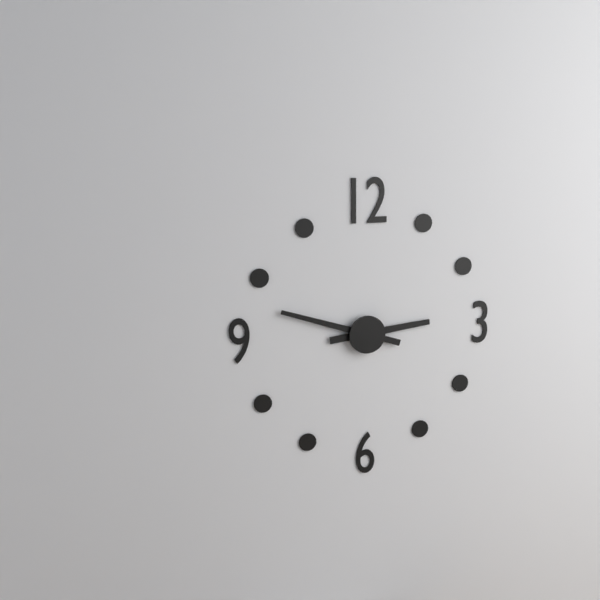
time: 2:48
